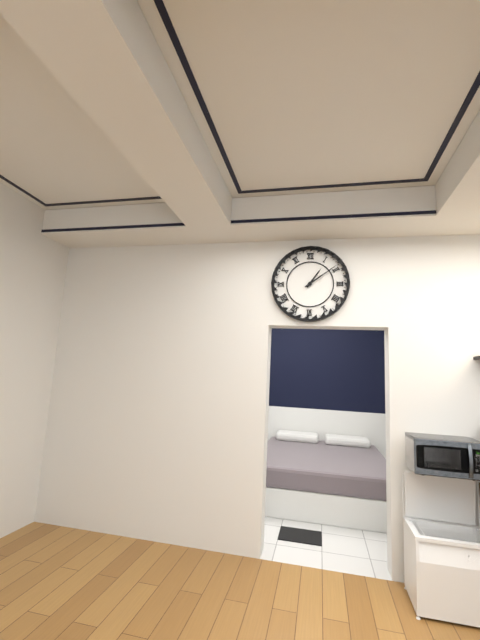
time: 1:09
